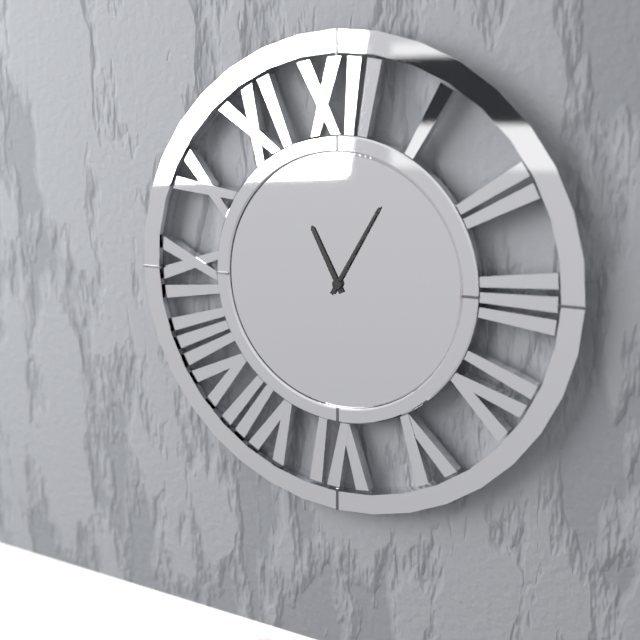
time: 11:05
